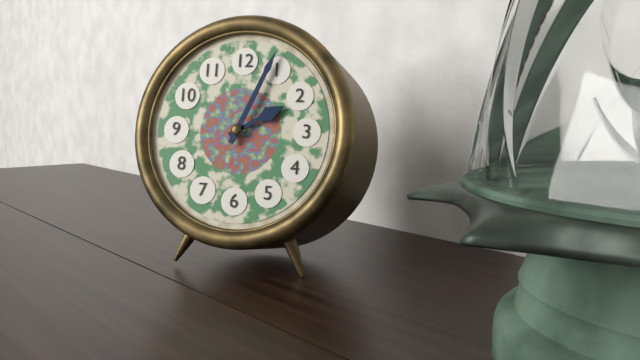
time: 2:04
